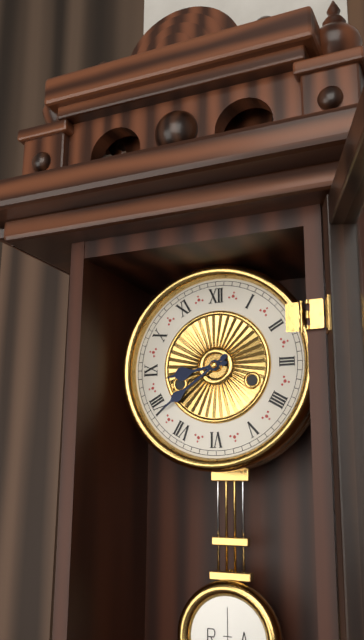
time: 8:39
